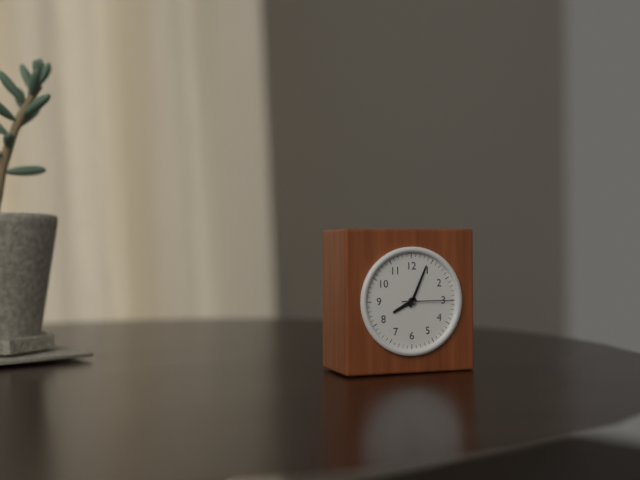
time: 8:04:15
